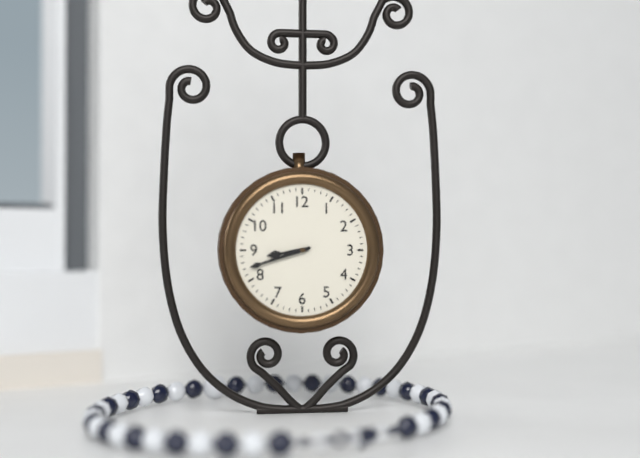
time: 8:42
